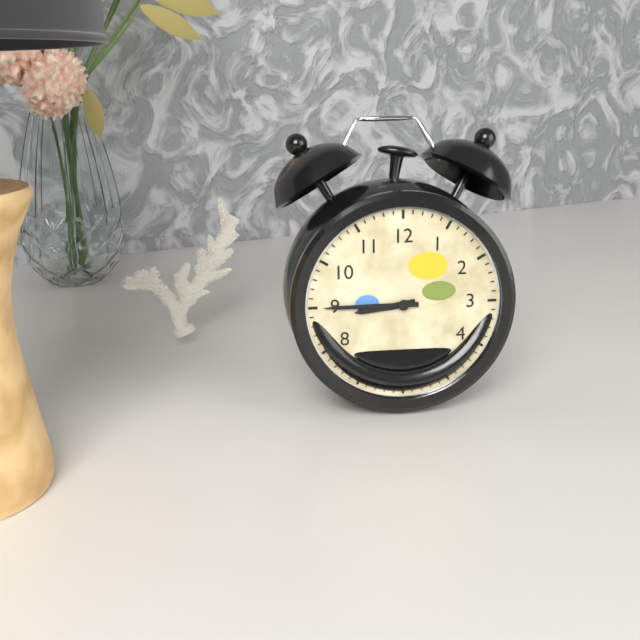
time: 8:45
